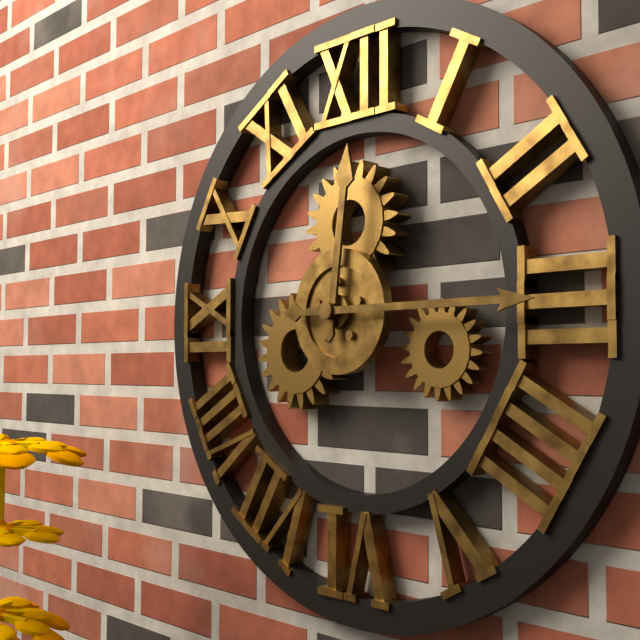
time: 12:15
